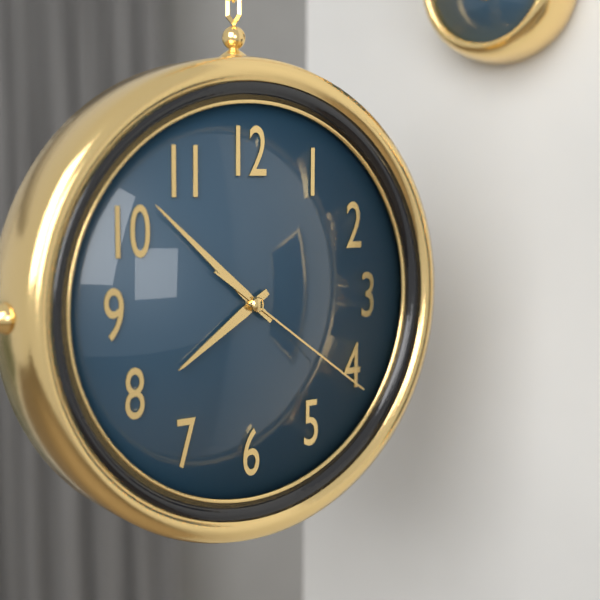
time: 7:52:21
